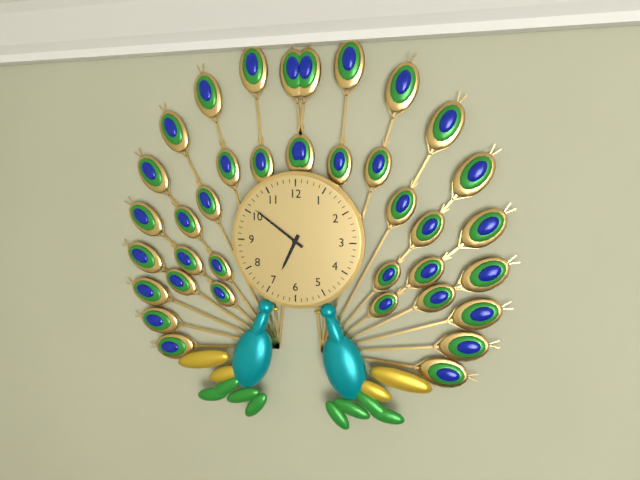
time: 6:51
